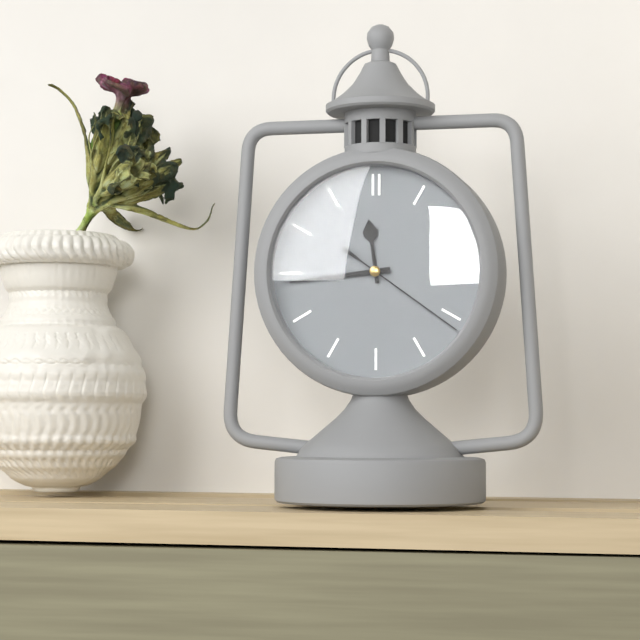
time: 11:44:21
